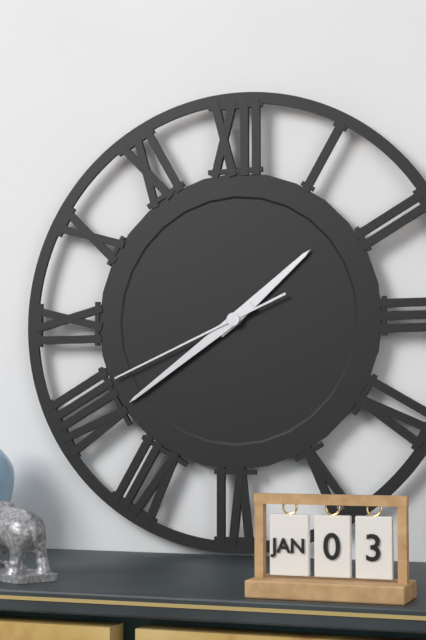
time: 1:39:41
